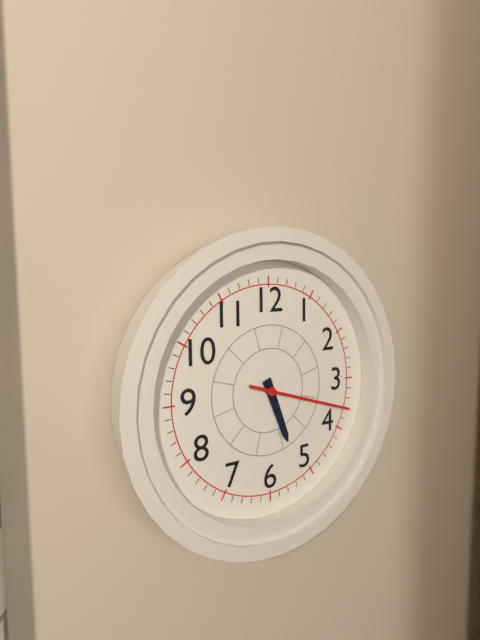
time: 5:18
